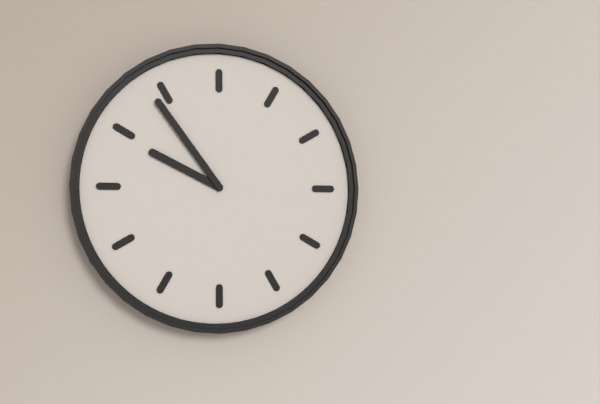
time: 9:54
